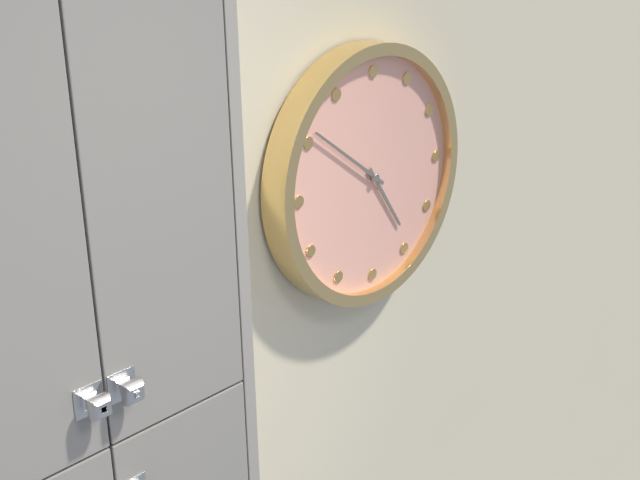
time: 4:51
